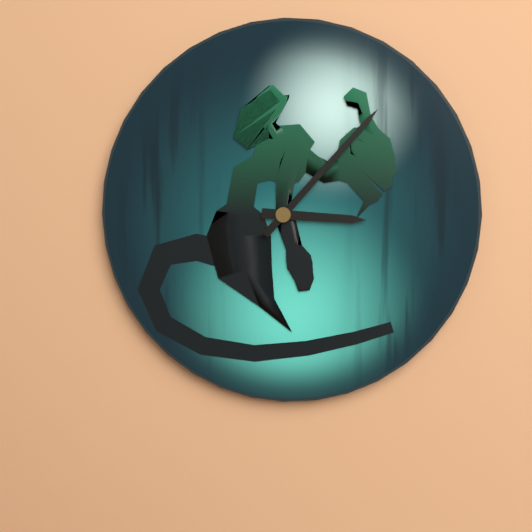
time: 3:07
